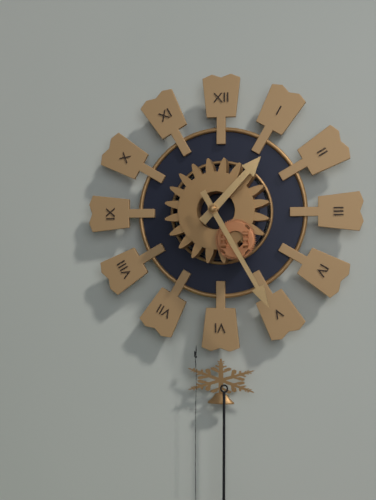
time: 1:25
